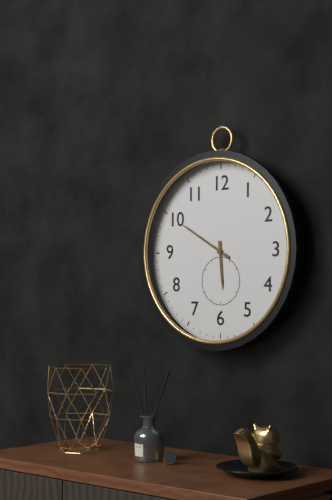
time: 5:50
